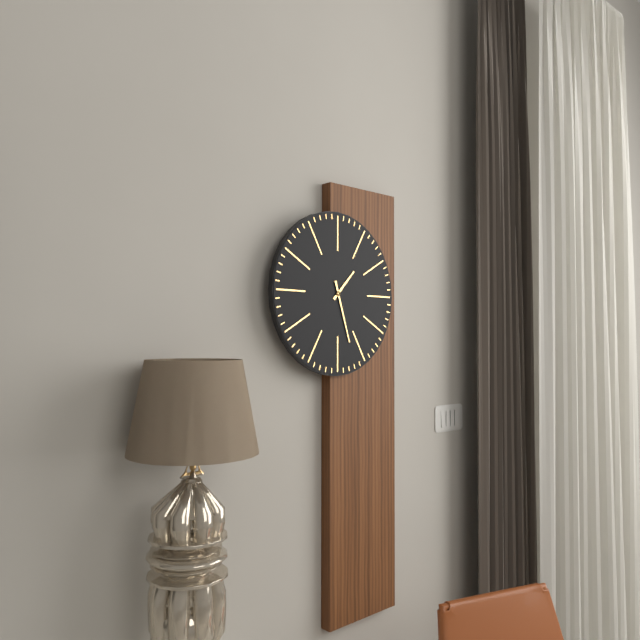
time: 1:27
